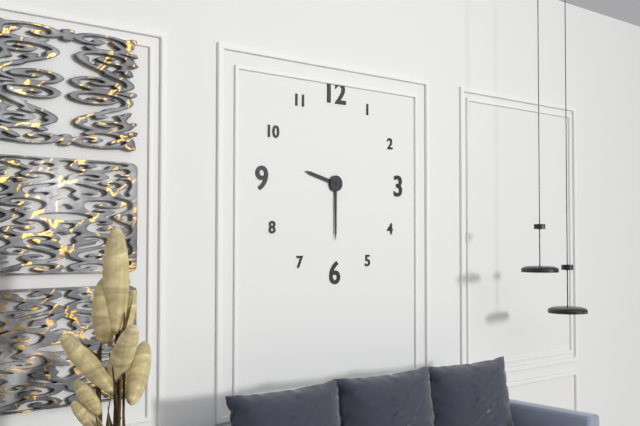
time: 9:30
